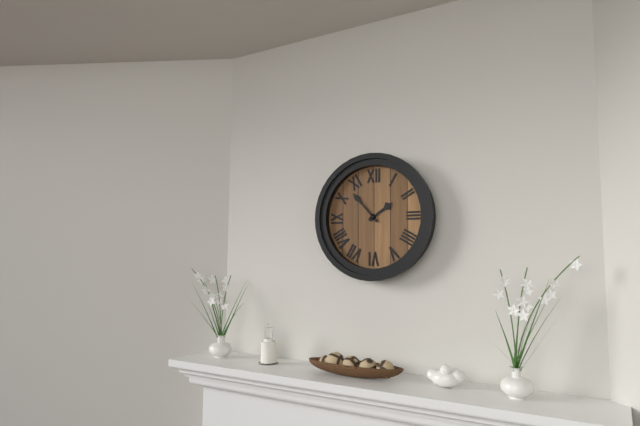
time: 1:53
